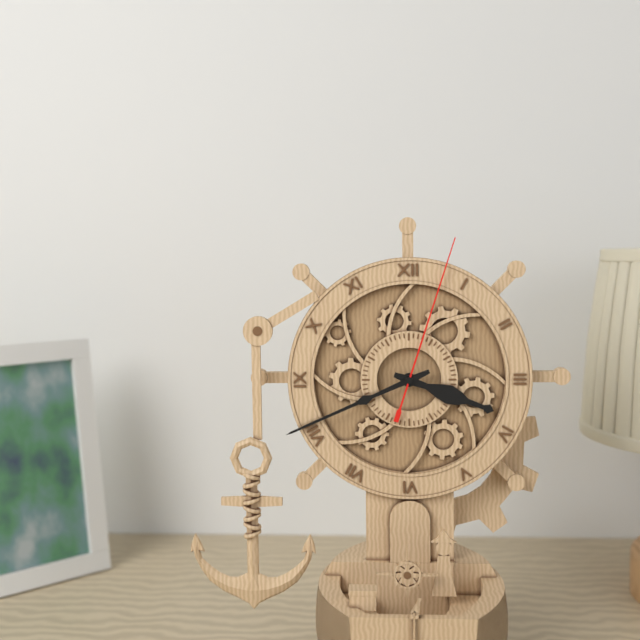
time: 3:41:03
